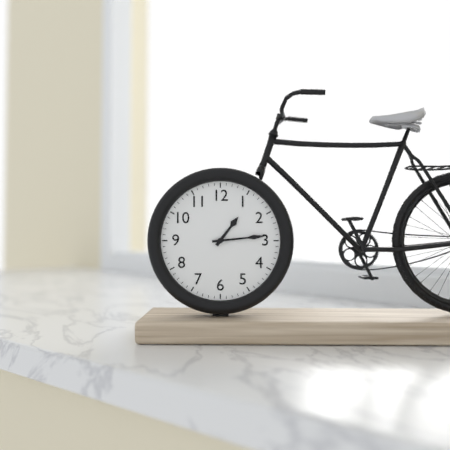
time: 1:14
